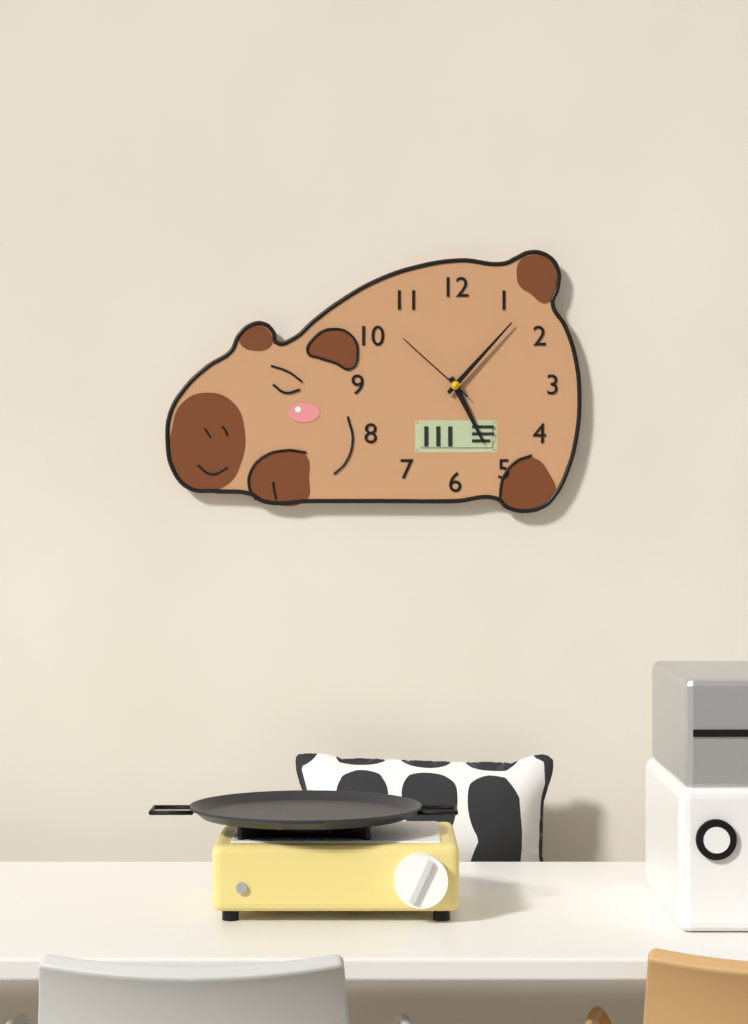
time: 5:07:52
